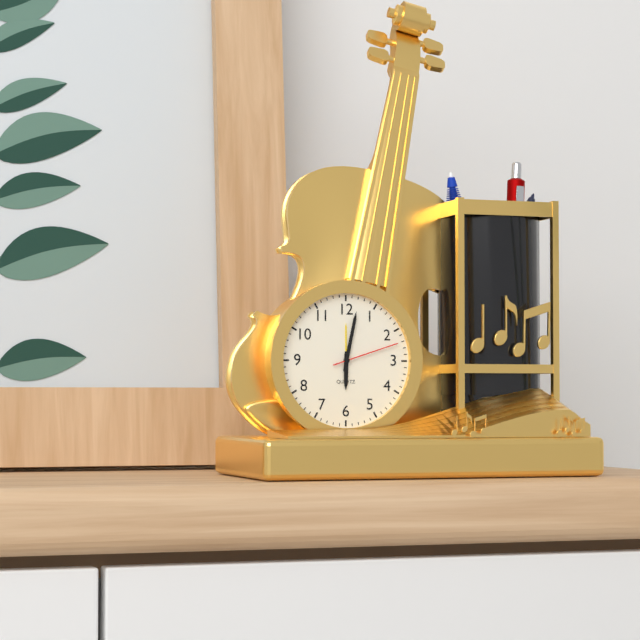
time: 6:02:12
